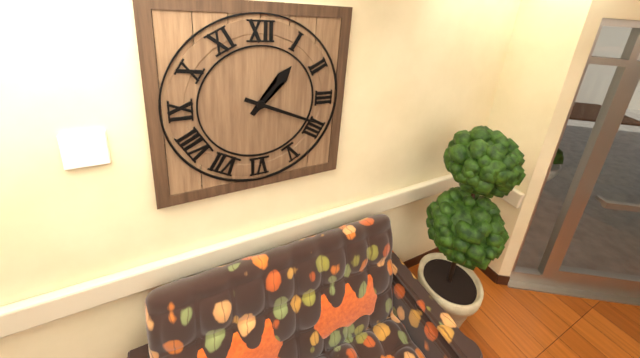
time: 1:19
